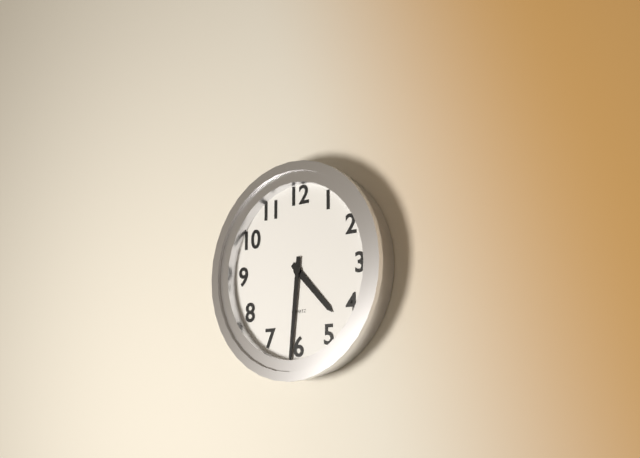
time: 4:31
